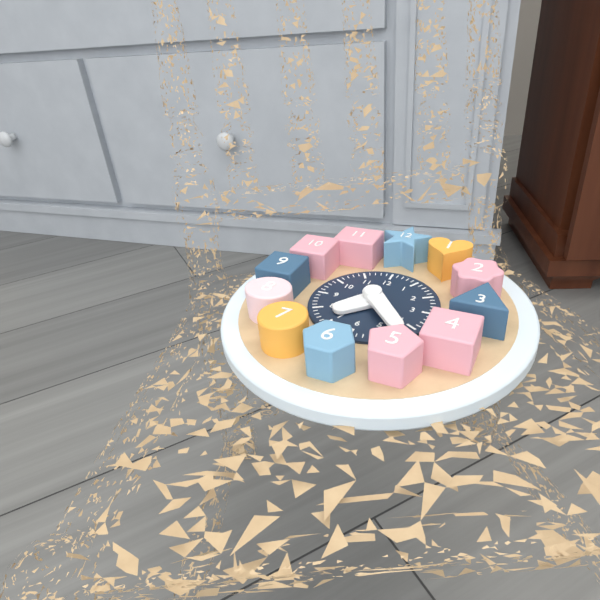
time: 7:23
